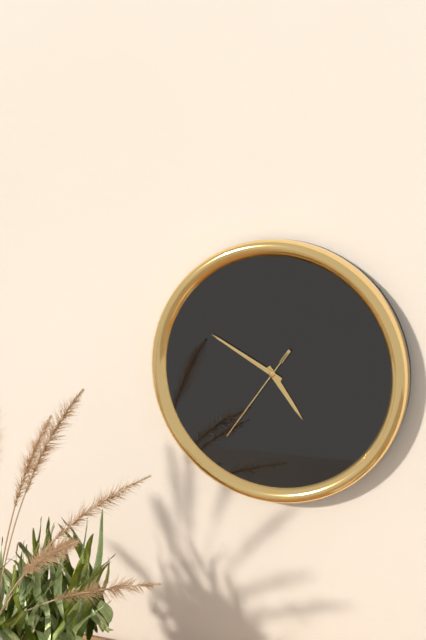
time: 4:50:36
